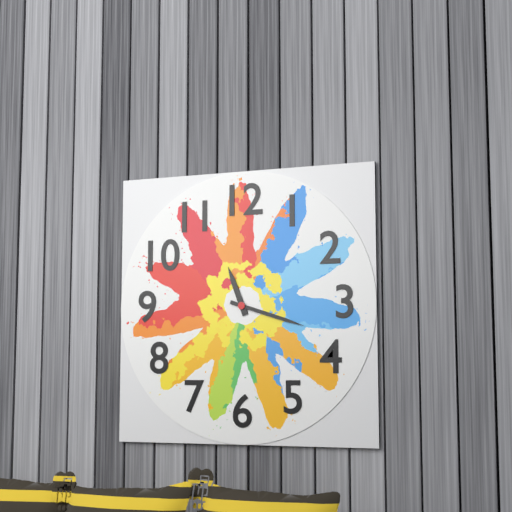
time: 11:18
